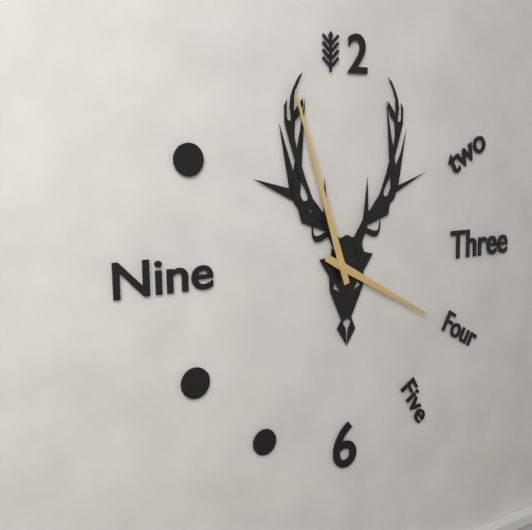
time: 3:57
